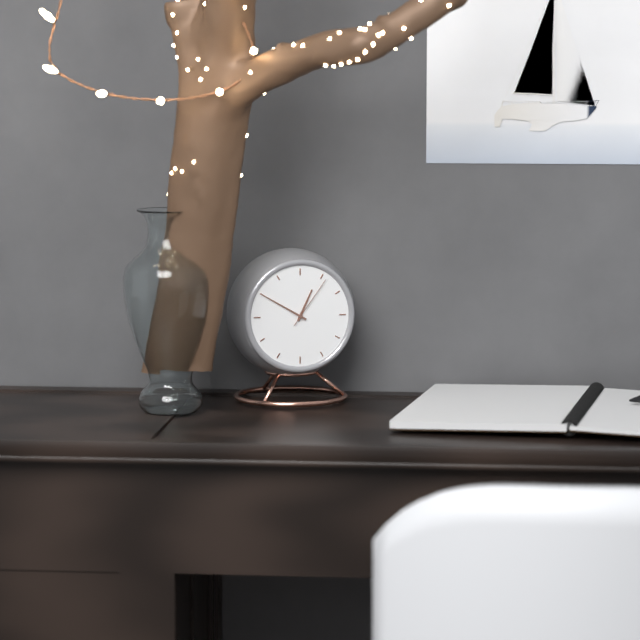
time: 12:50:06
